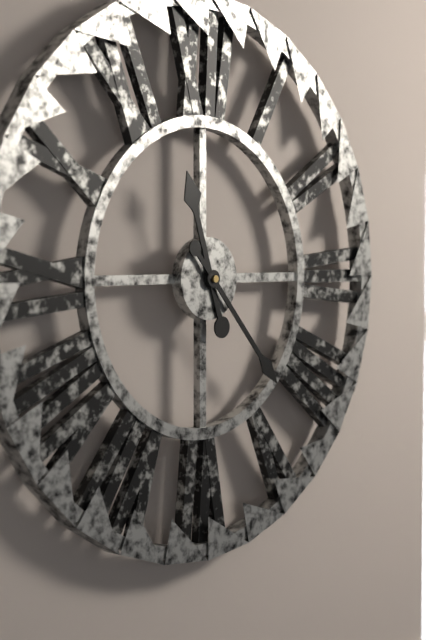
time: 11:23
